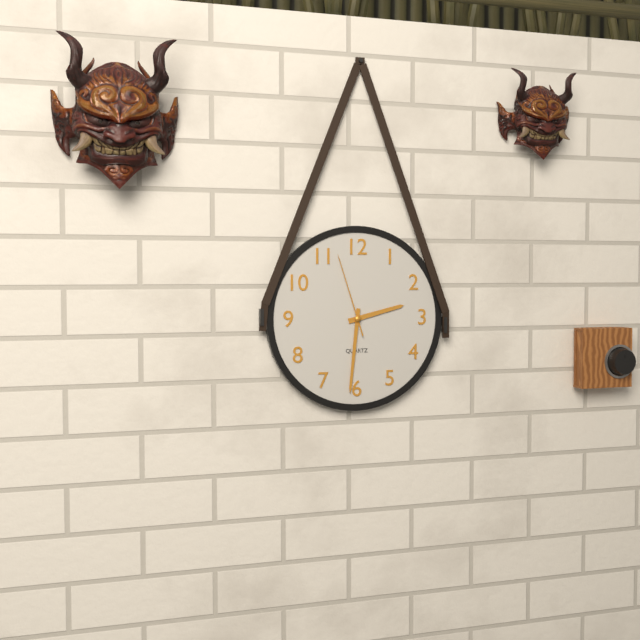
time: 2:31:57
